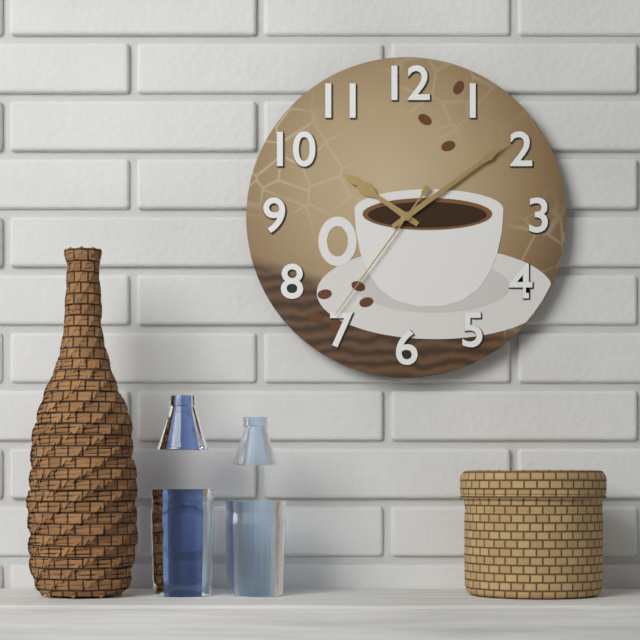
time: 10:09:36
